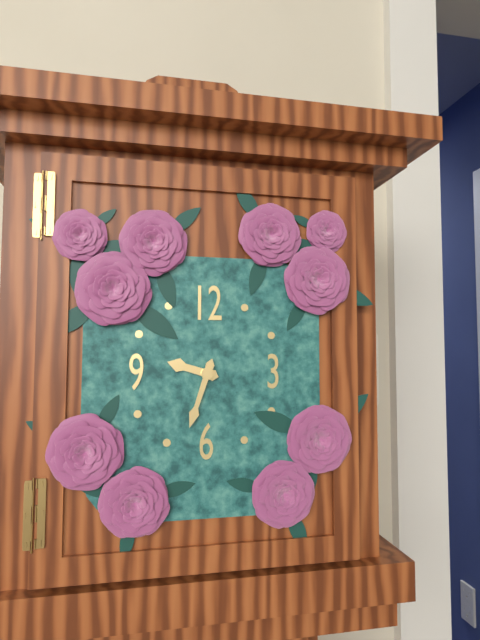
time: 9:33
